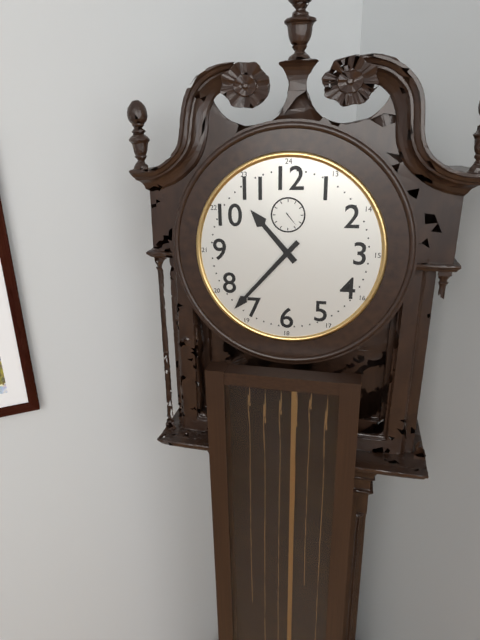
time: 10:37
